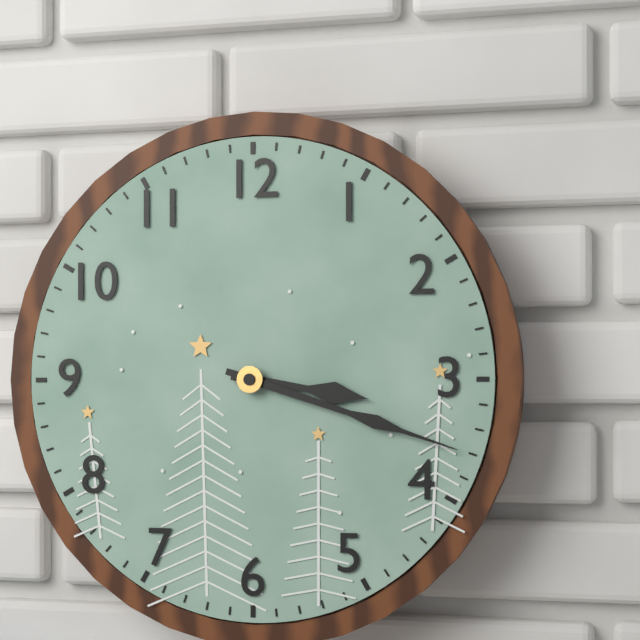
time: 3:18
